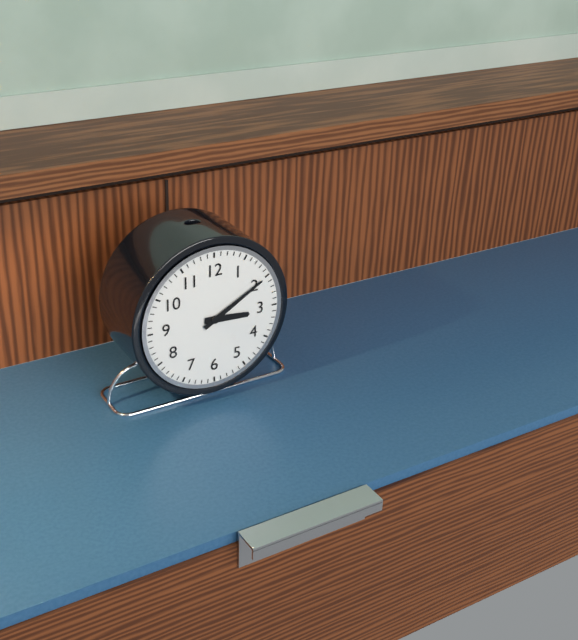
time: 3:10
